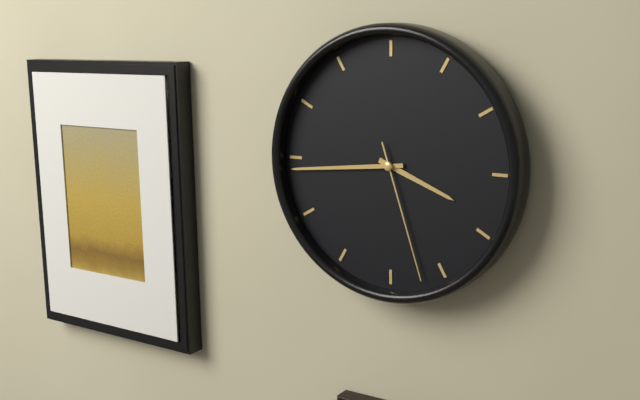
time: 3:44:27
